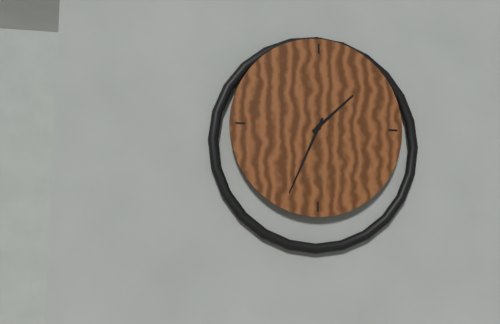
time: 1:34
